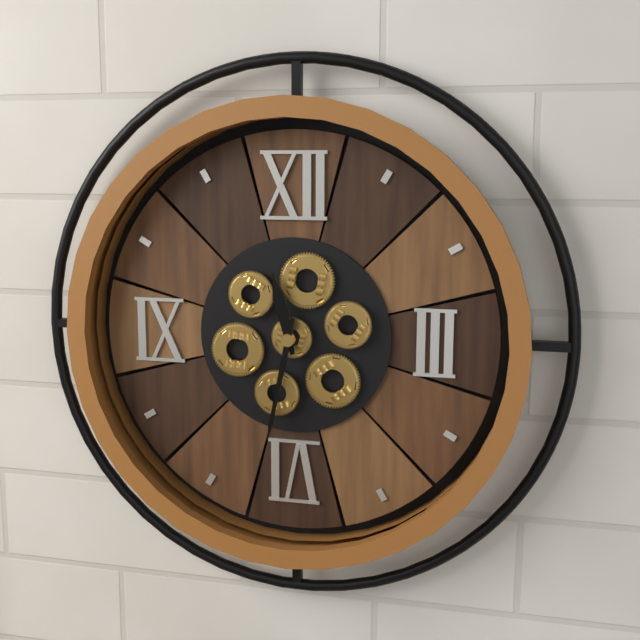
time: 11:32
